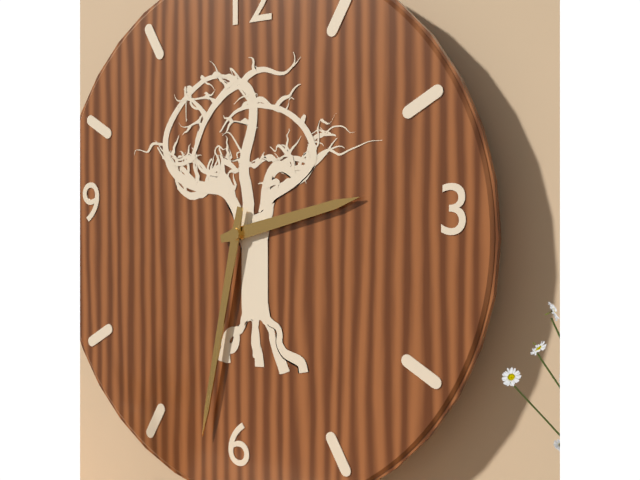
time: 2:32
